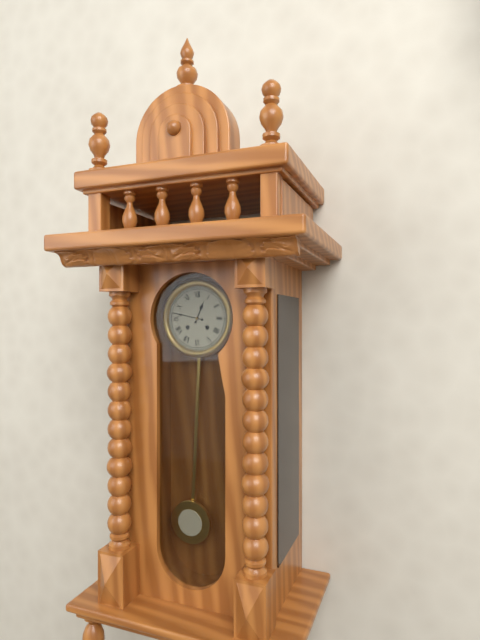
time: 12:47
